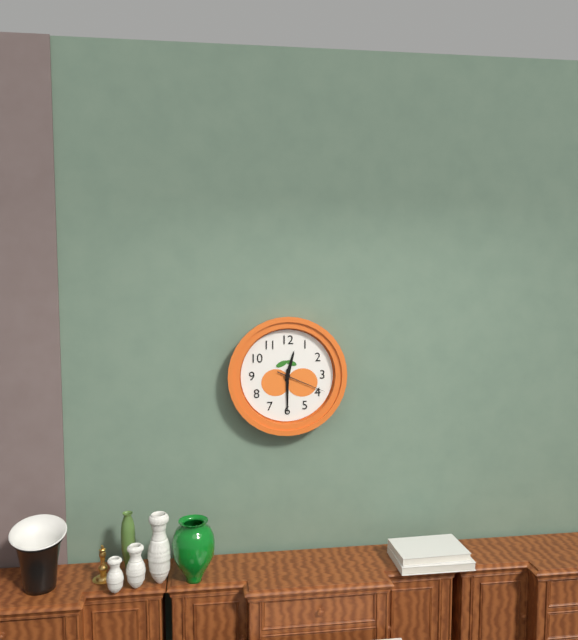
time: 12:30:19
